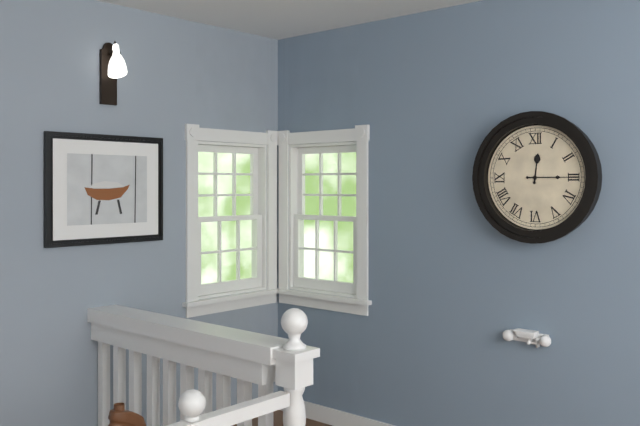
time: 12:15
